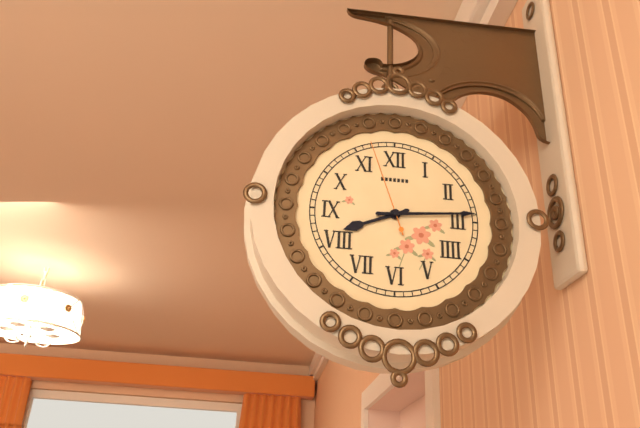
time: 8:14:57
